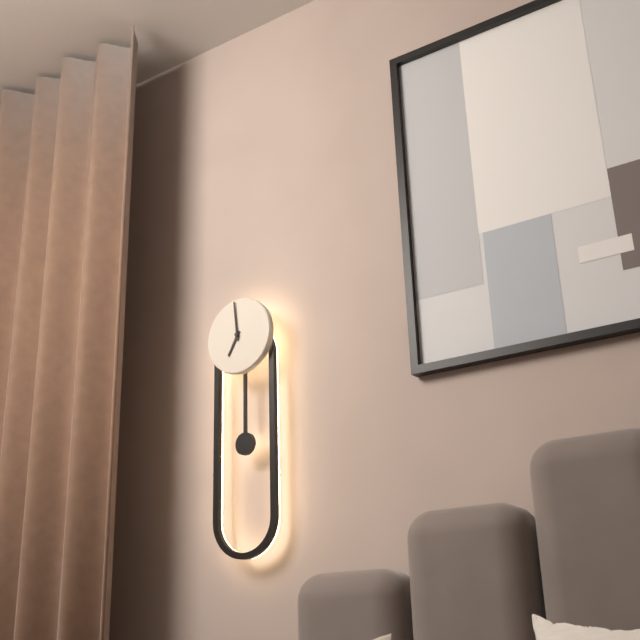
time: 6:59
